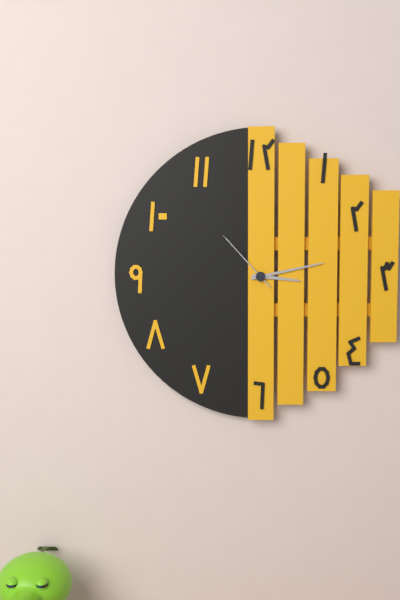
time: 3:13:53
